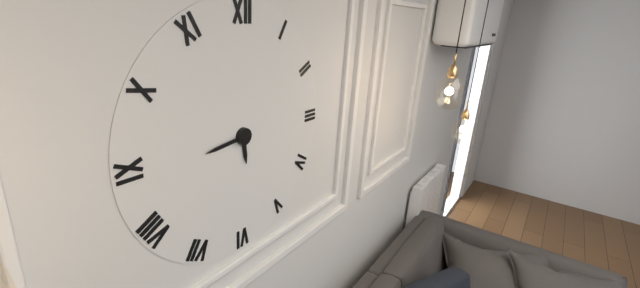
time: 5:44
